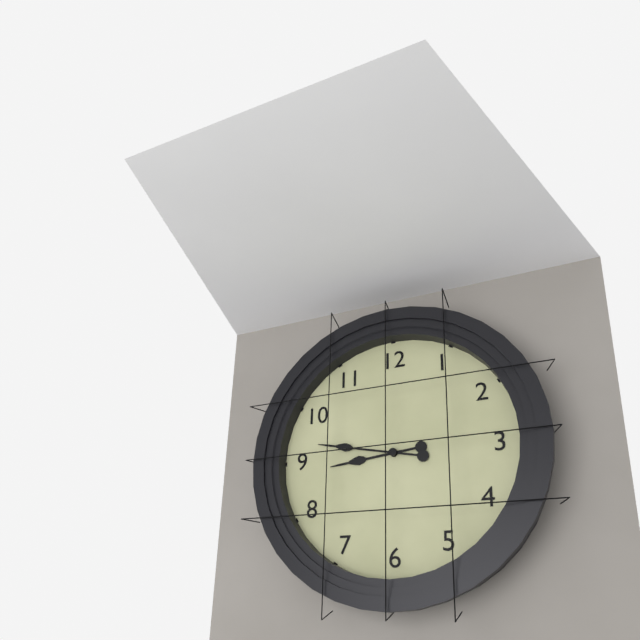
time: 8:47
